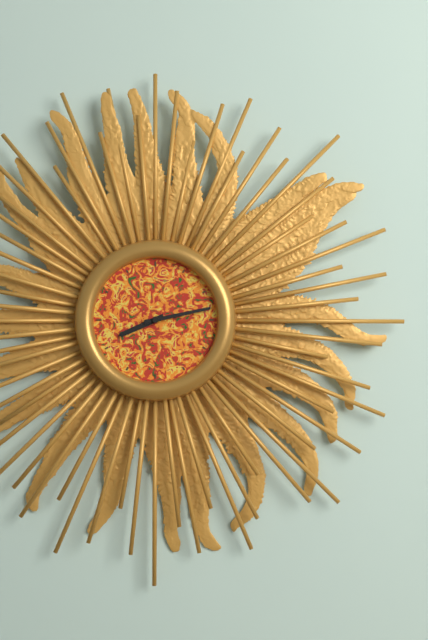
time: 8:13
